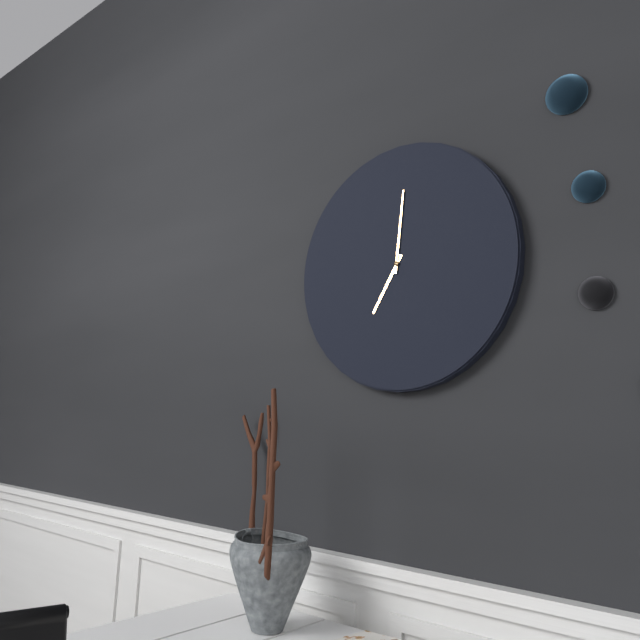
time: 7:01
